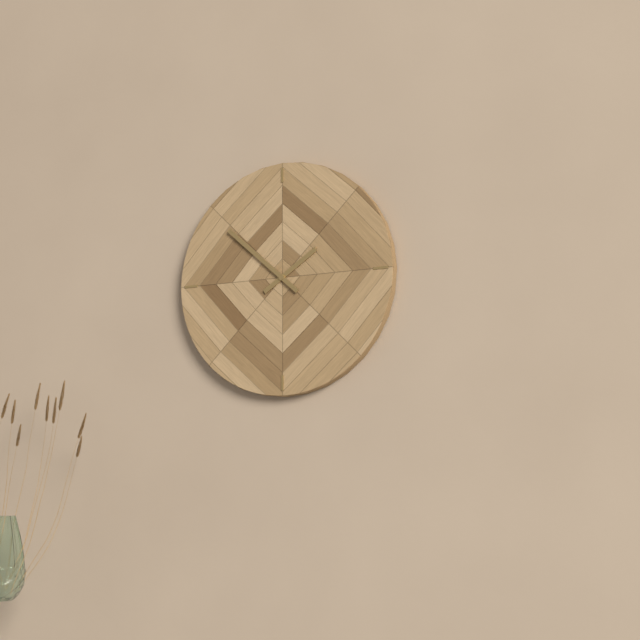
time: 1:52
